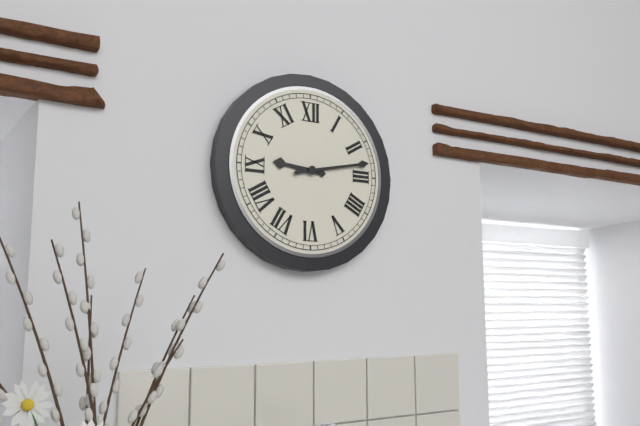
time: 9:13
